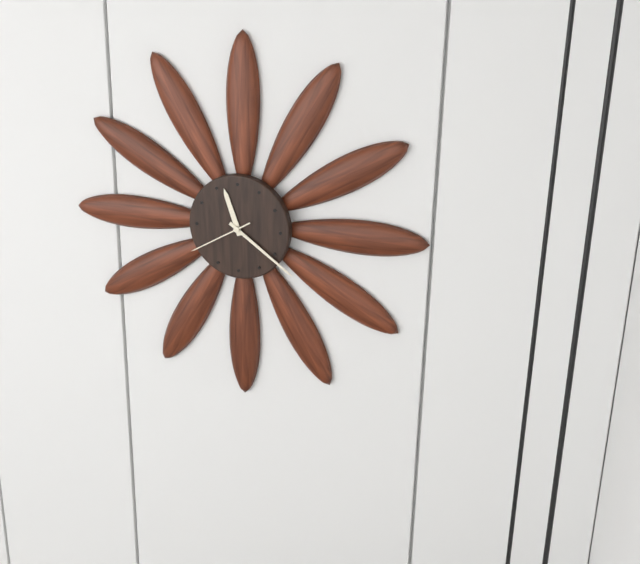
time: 11:21:40
